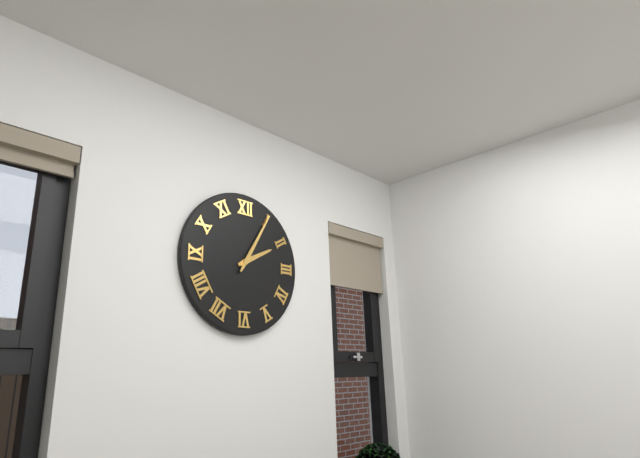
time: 2:05
